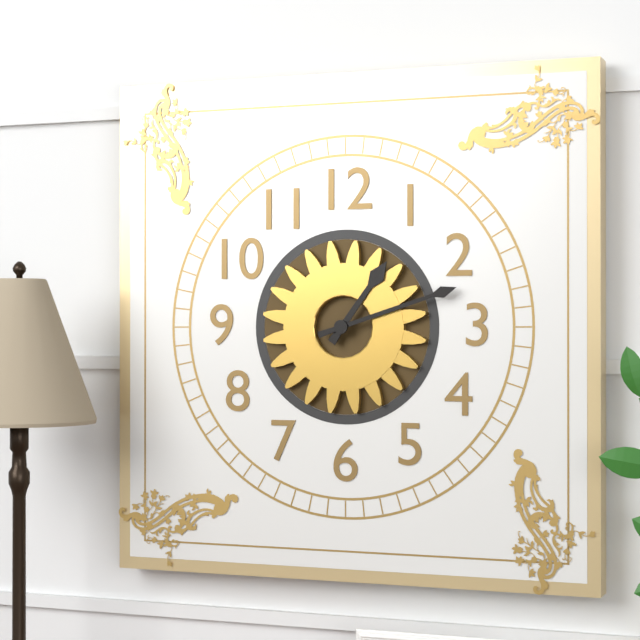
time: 1:12
